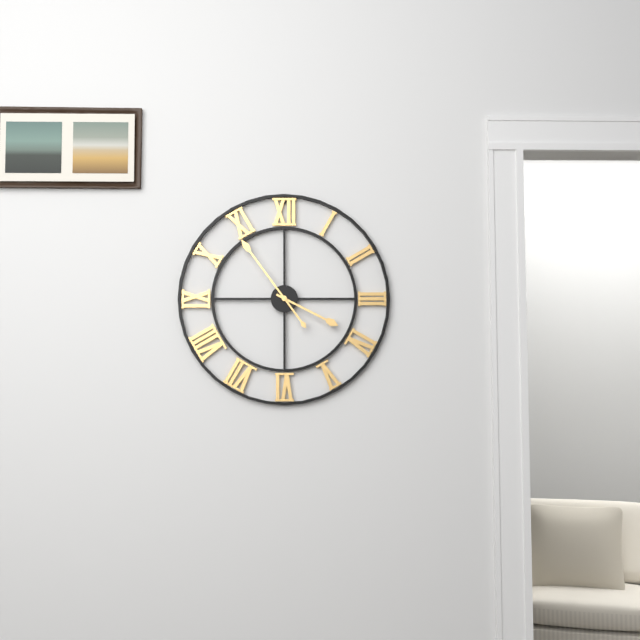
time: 3:54
